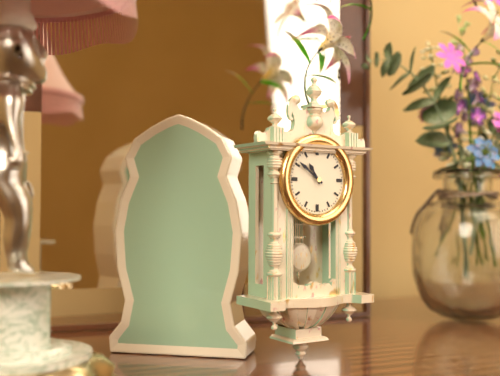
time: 10:51
